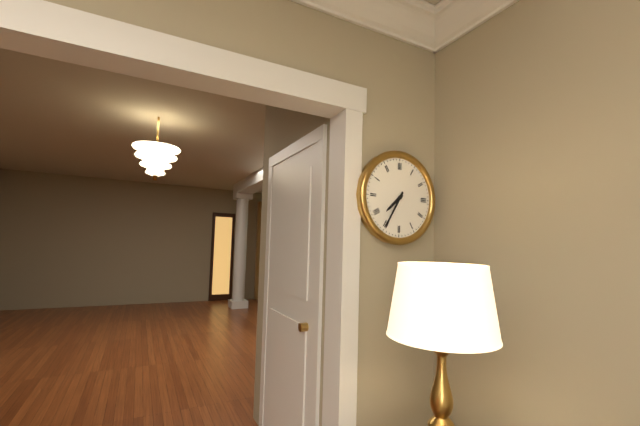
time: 7:35
